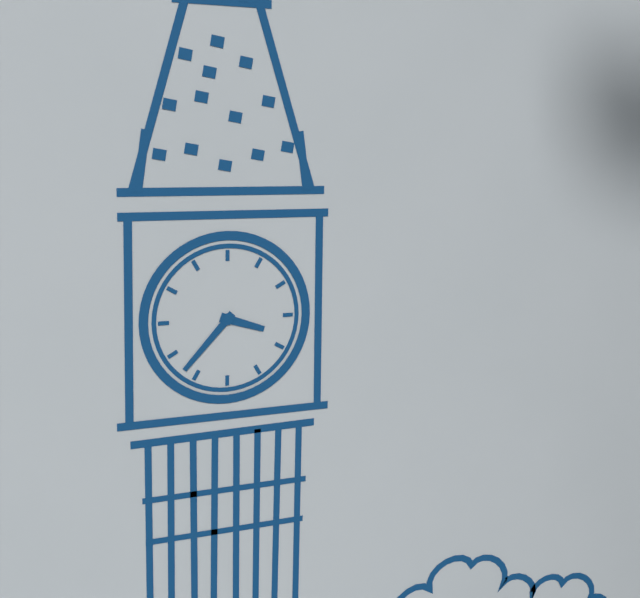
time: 3:37
